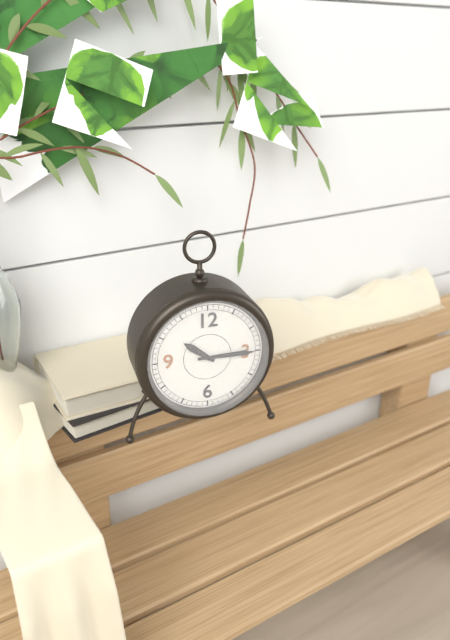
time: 10:15
